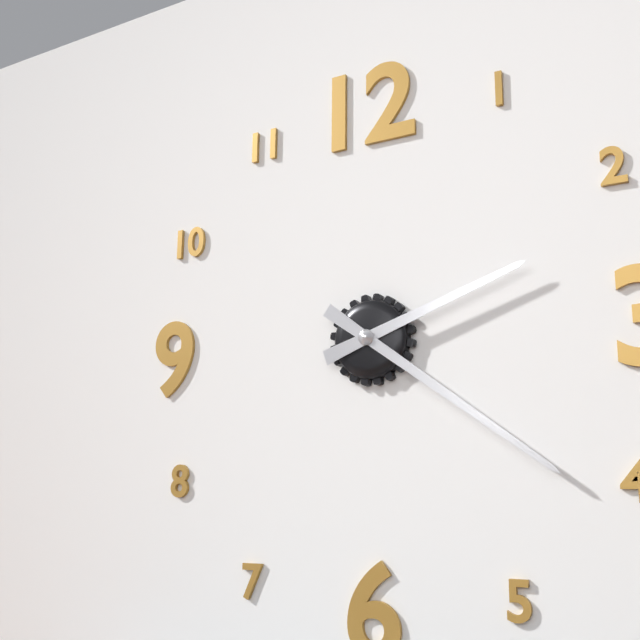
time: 2:21
